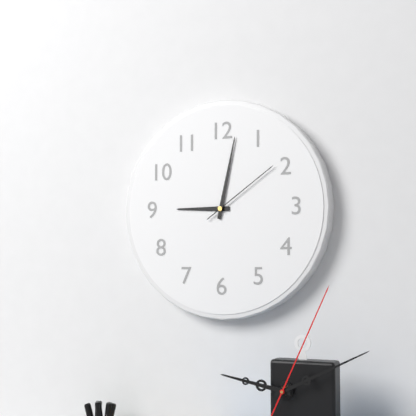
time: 9:02:09
